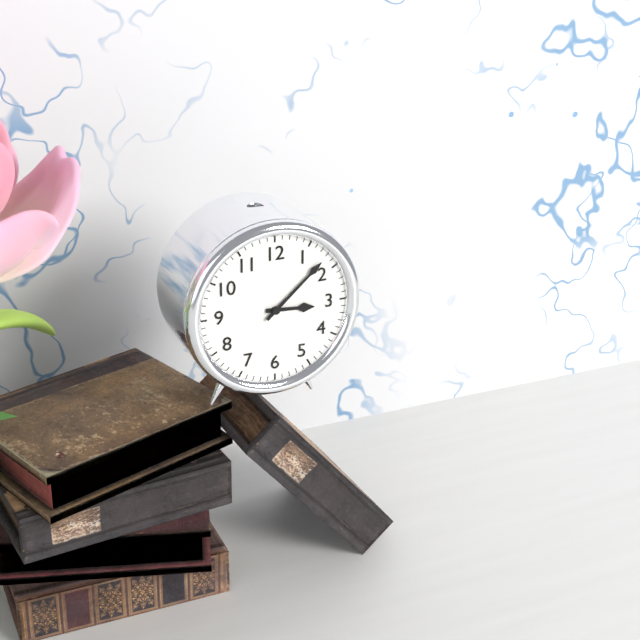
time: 3:08
